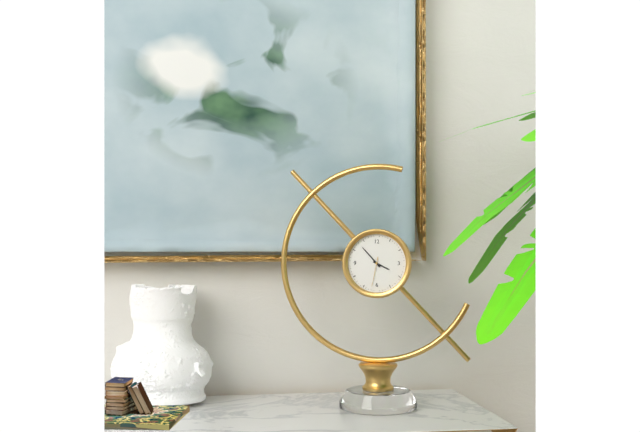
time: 3:53
